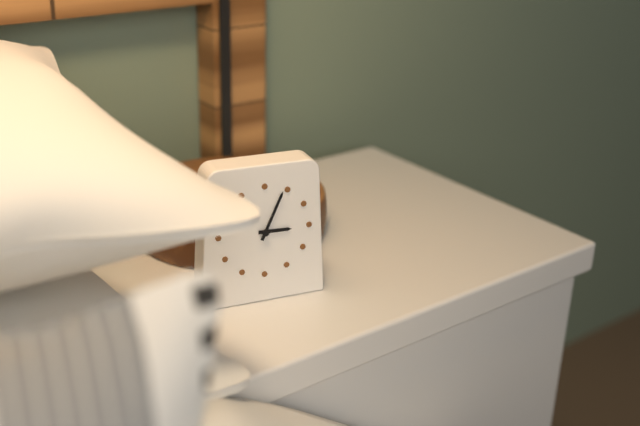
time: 3:04
